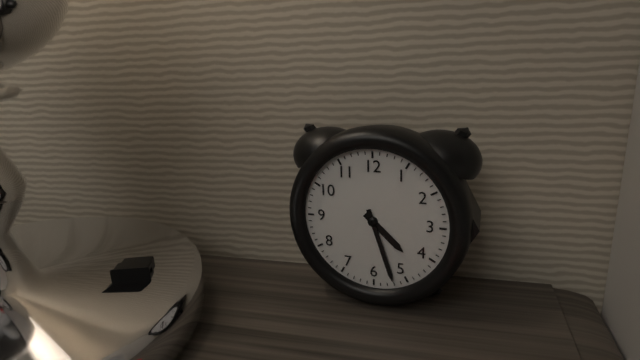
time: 4:27
